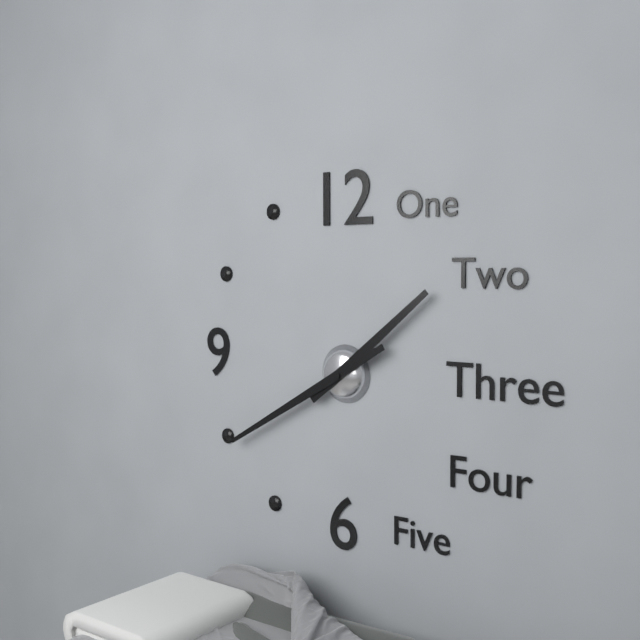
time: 1:40
